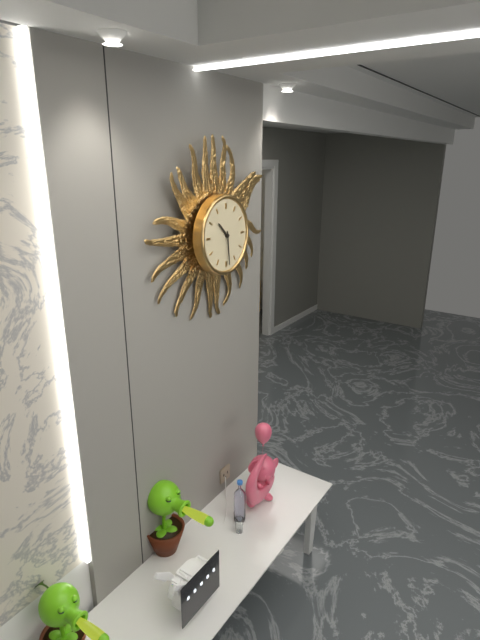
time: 10:29
